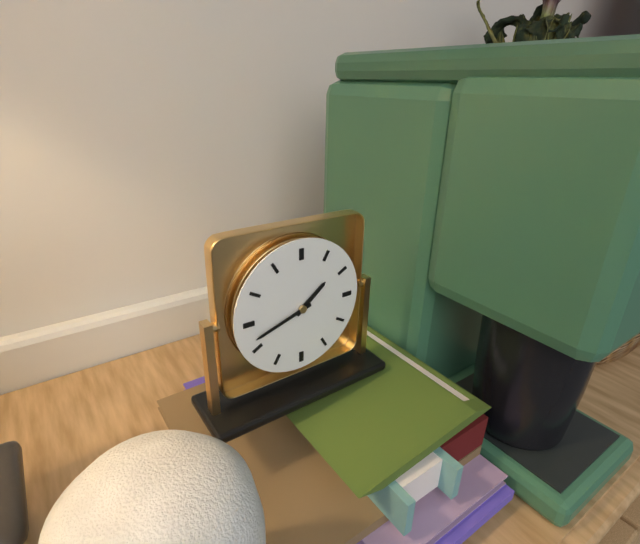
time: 1:42
